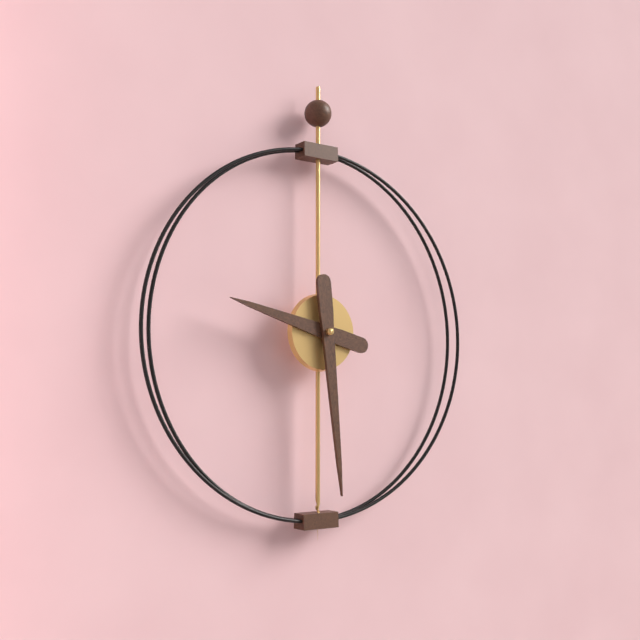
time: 9:29
